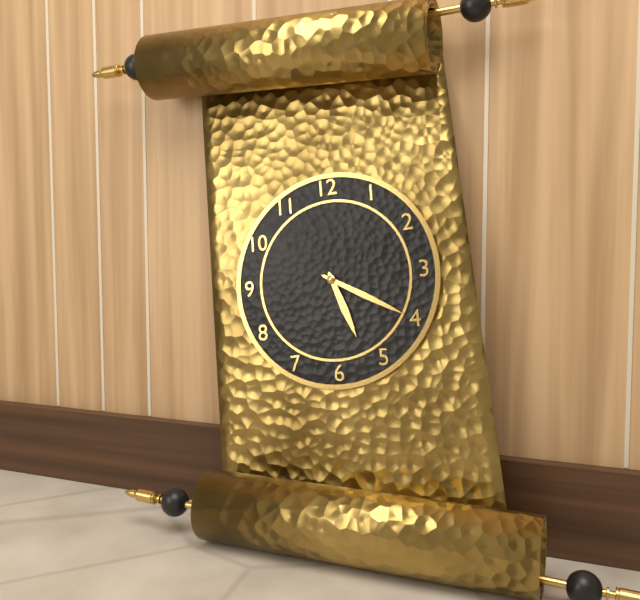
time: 5:20
